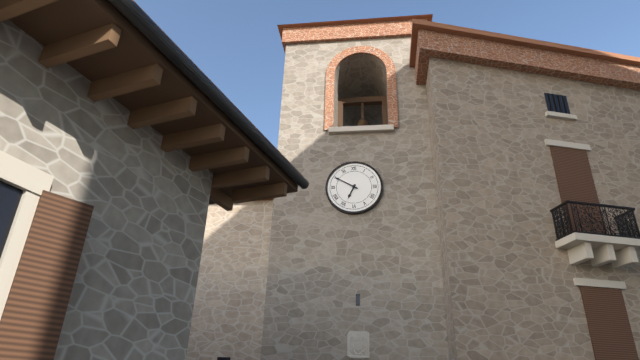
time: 6:50
